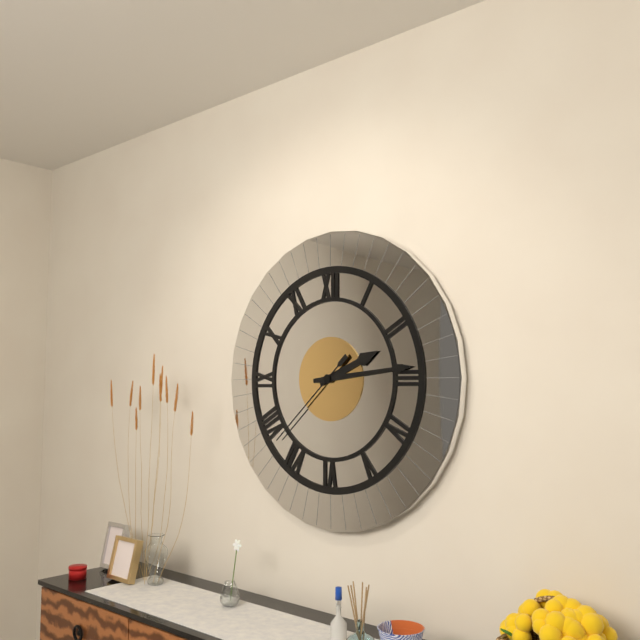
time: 2:14:38
